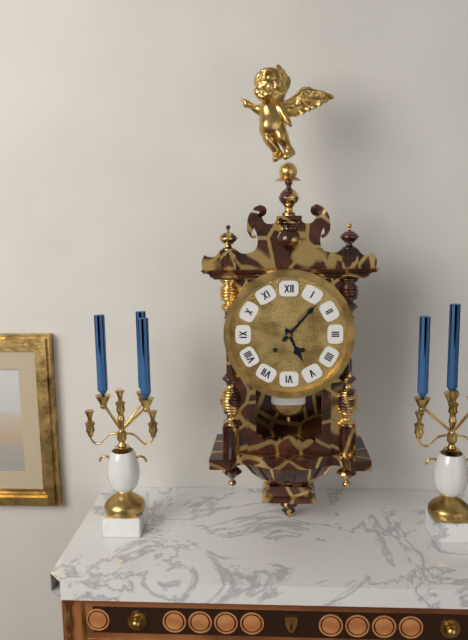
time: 5:07
